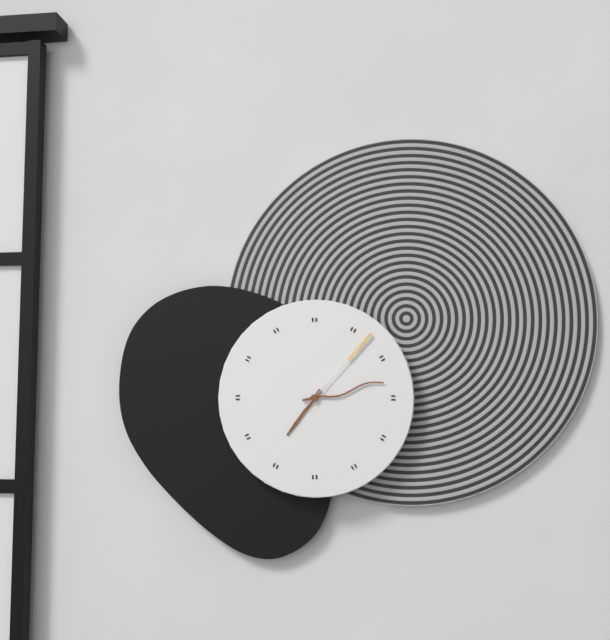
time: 7:13:07
